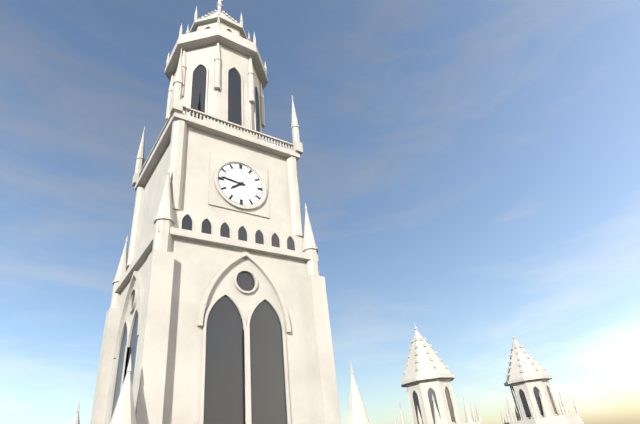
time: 7:46
